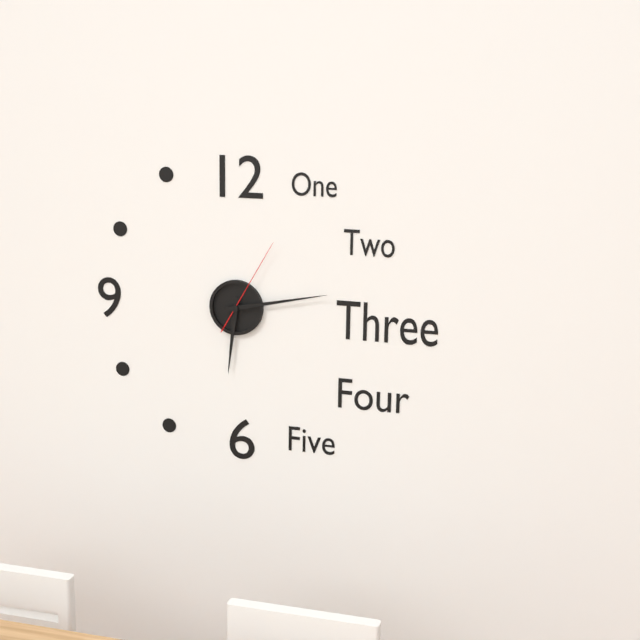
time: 6:13:05
